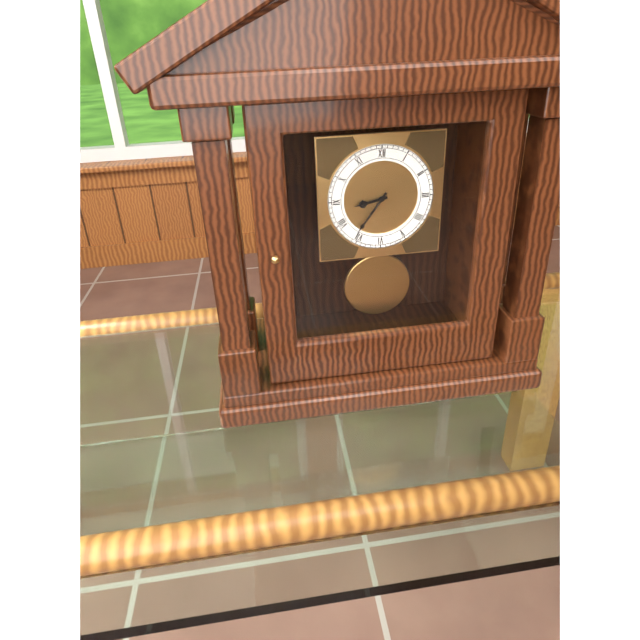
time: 8:36
